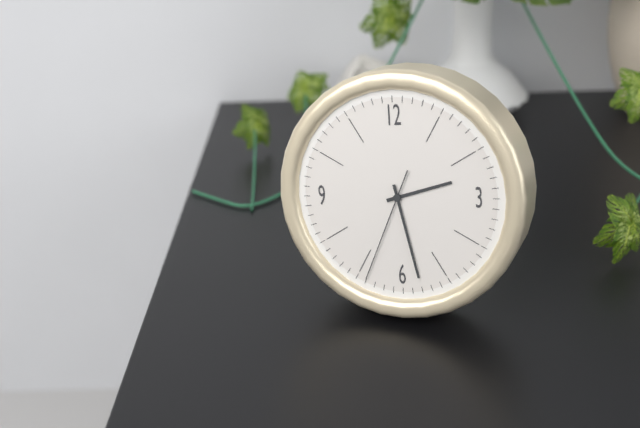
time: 2:28:34
